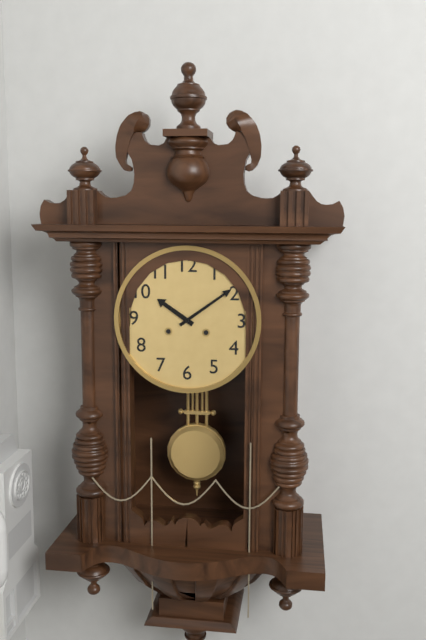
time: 10:09
